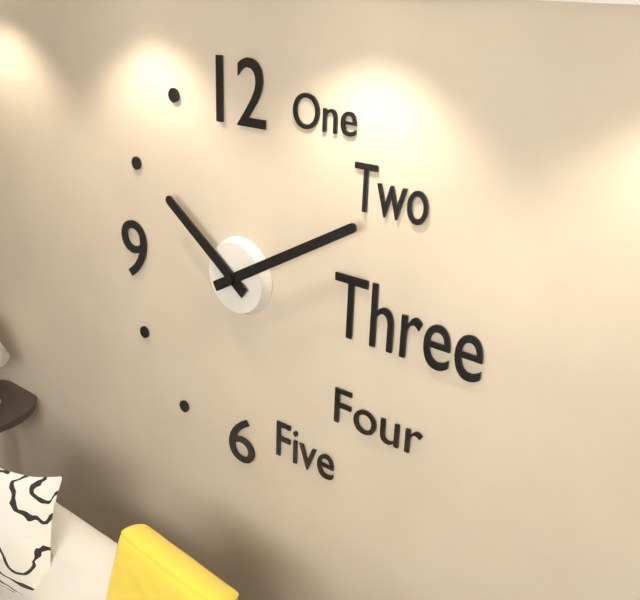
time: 10:10
